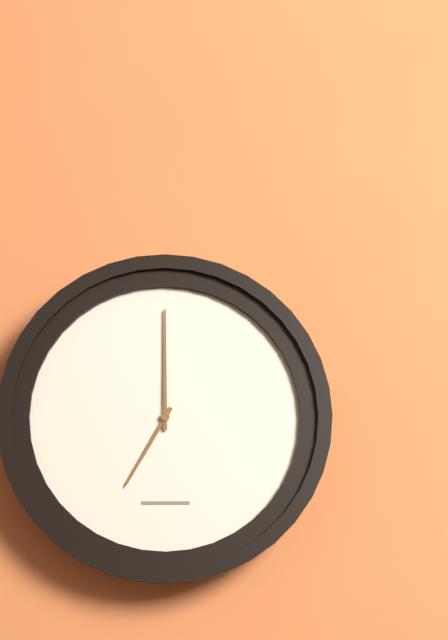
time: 7:00
